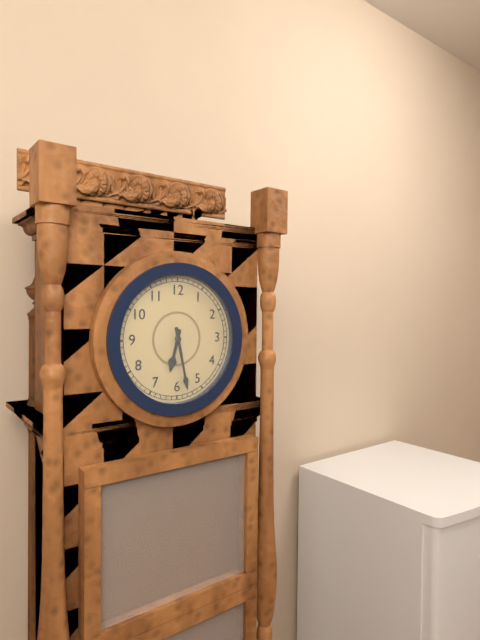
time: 6:28
